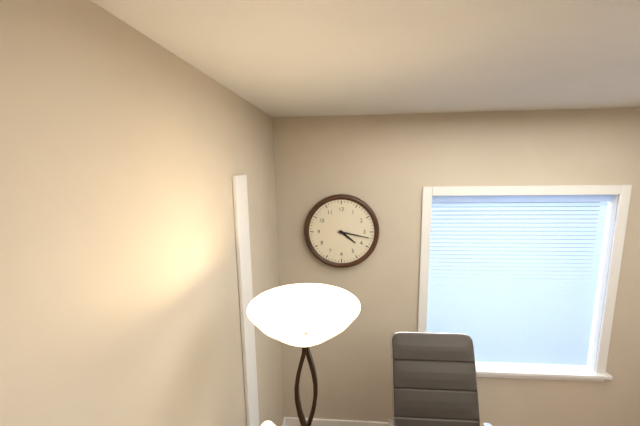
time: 4:17
